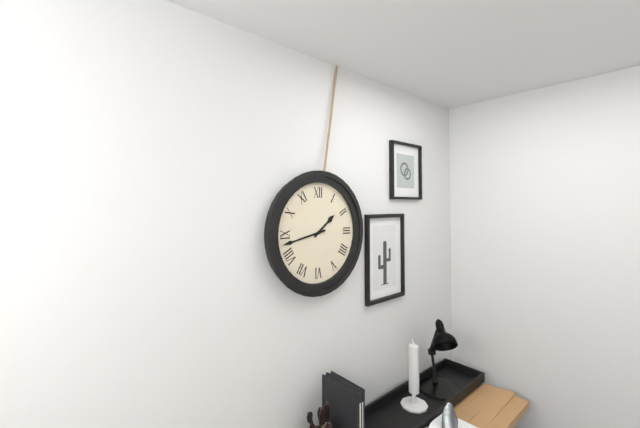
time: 1:43
